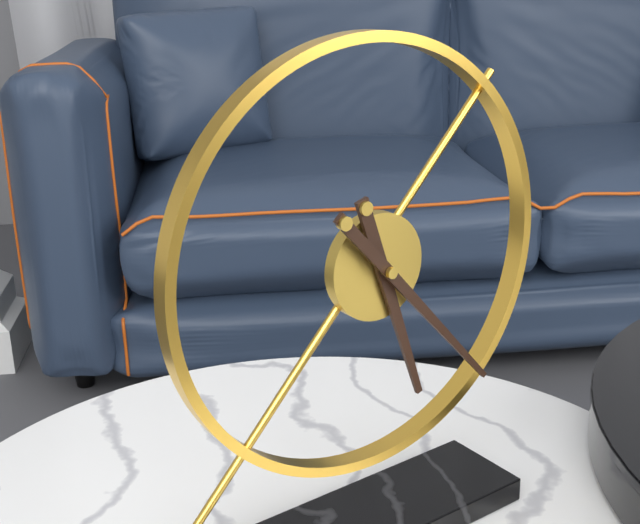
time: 5:23
